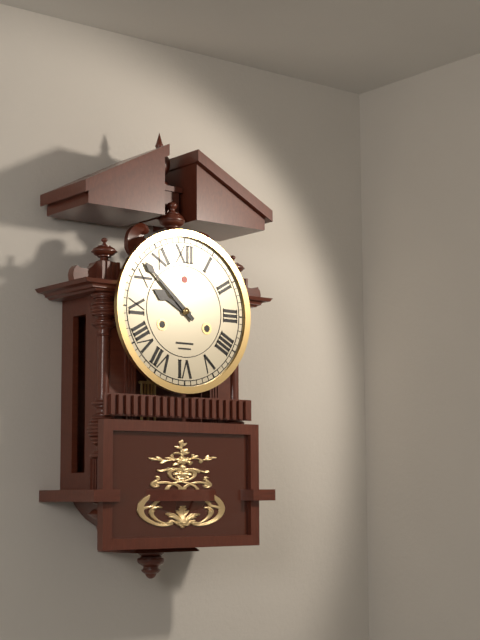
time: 9:52
